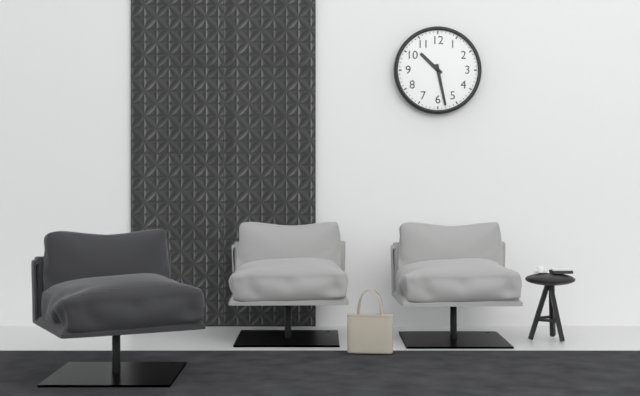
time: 10:28
